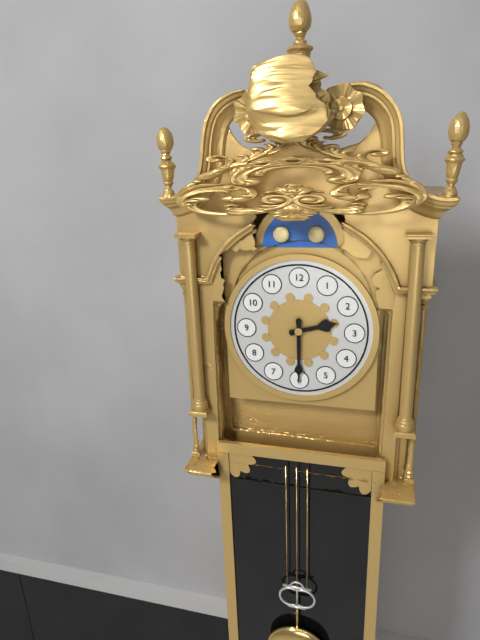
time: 2:30
